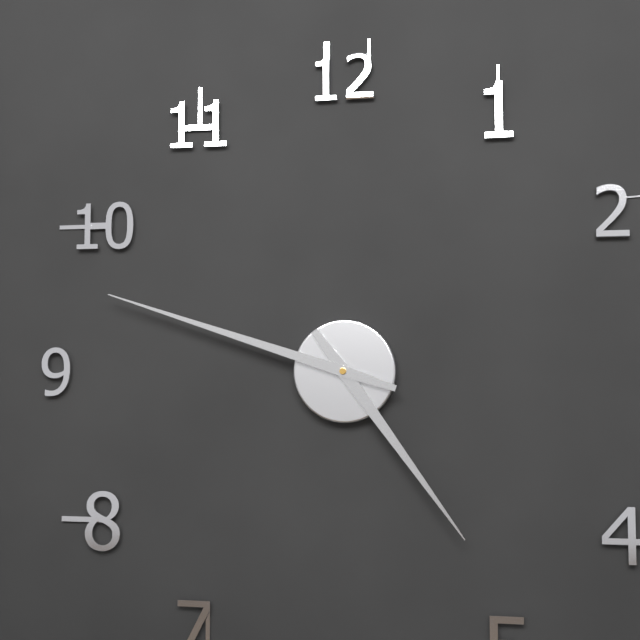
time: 4:48
